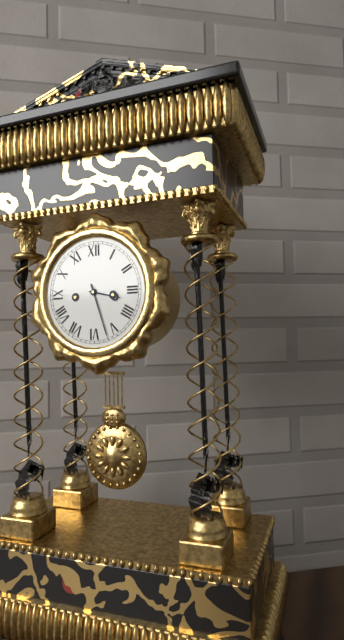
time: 3:27
